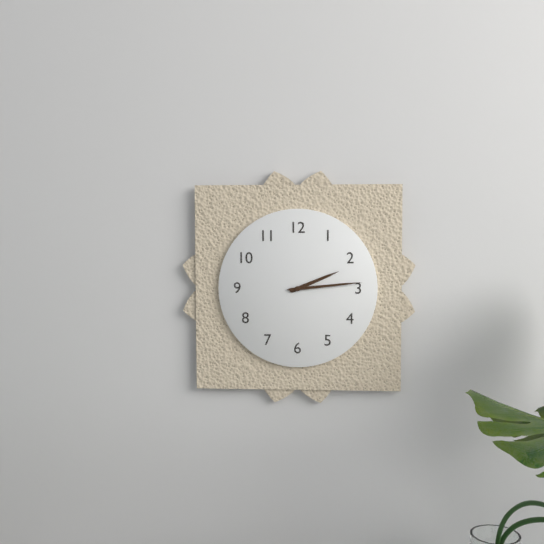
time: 2:14
